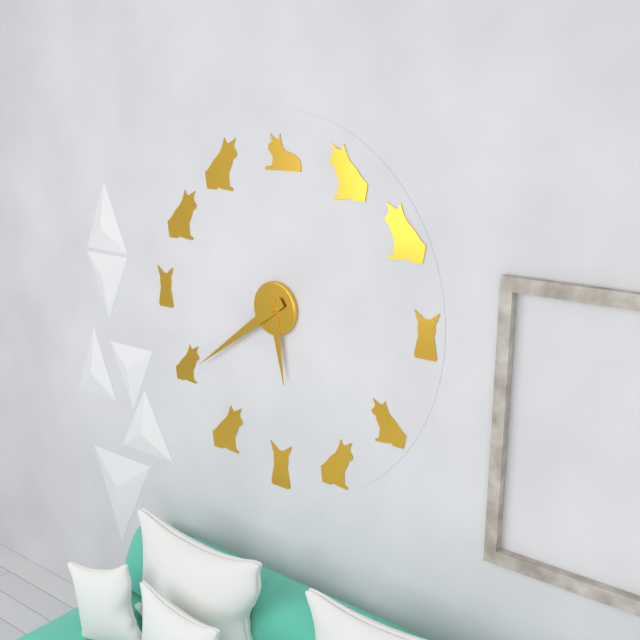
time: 5:39
